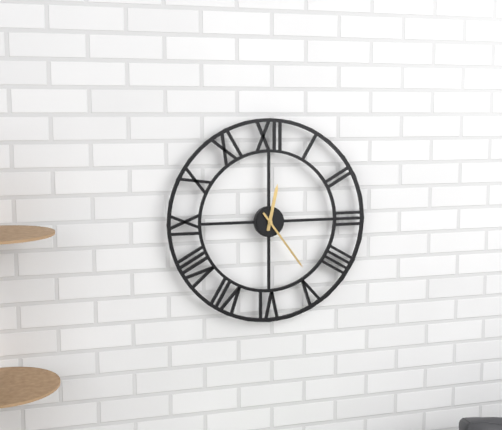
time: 12:24
